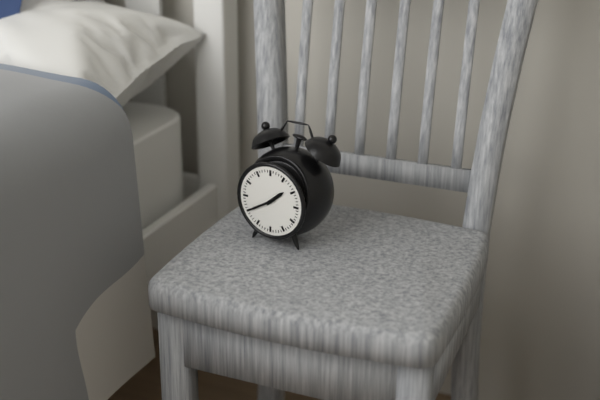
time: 1:40
